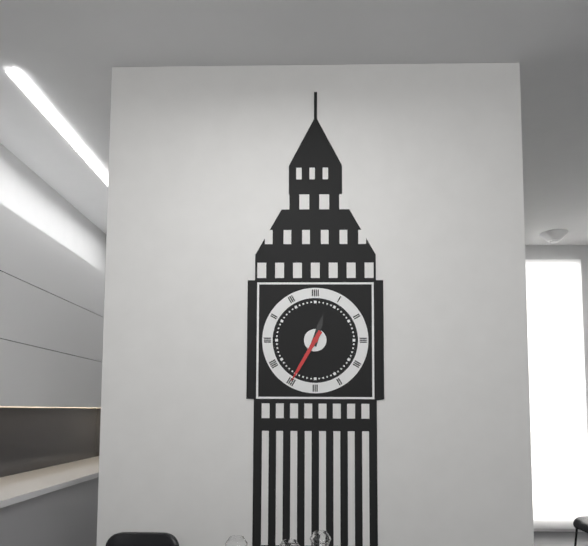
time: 12:35
